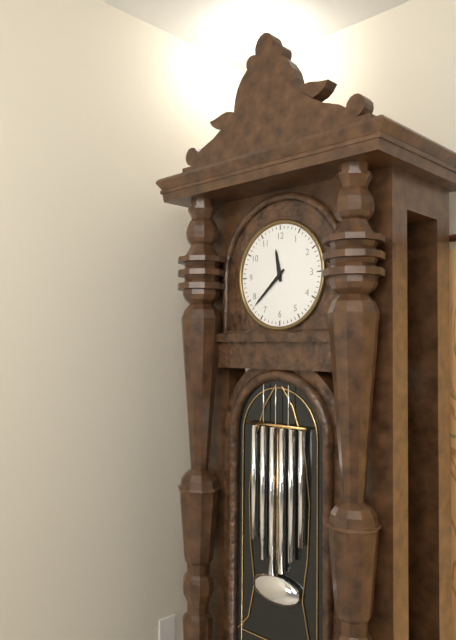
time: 11:38
